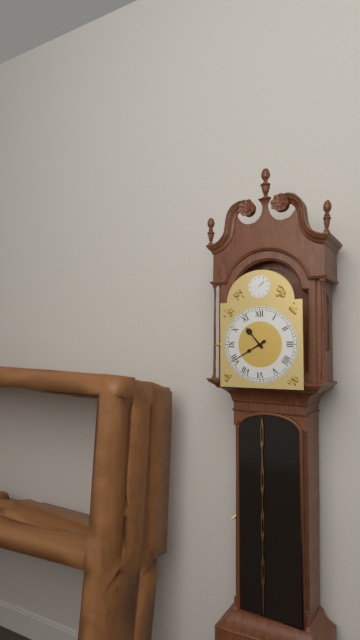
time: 10:40
